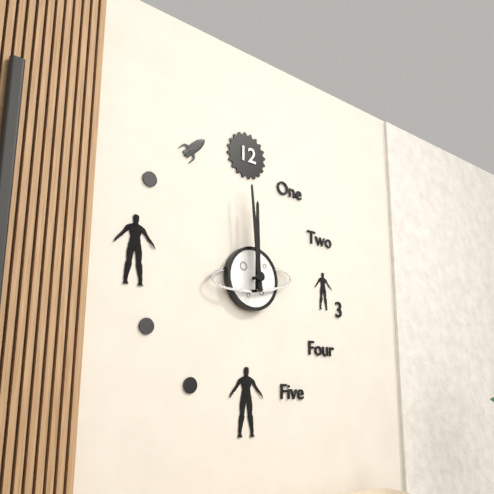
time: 11:59
